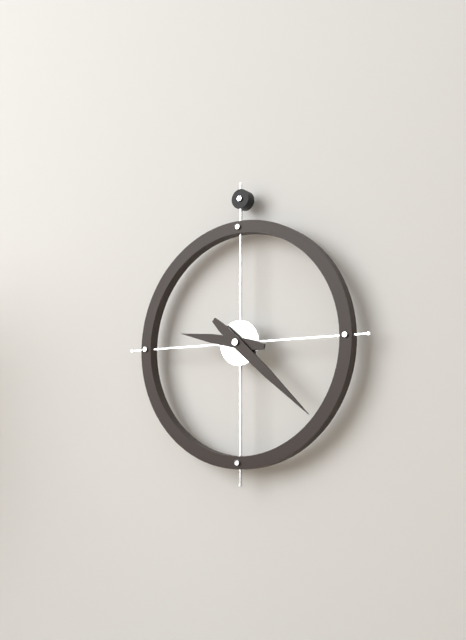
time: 9:22
